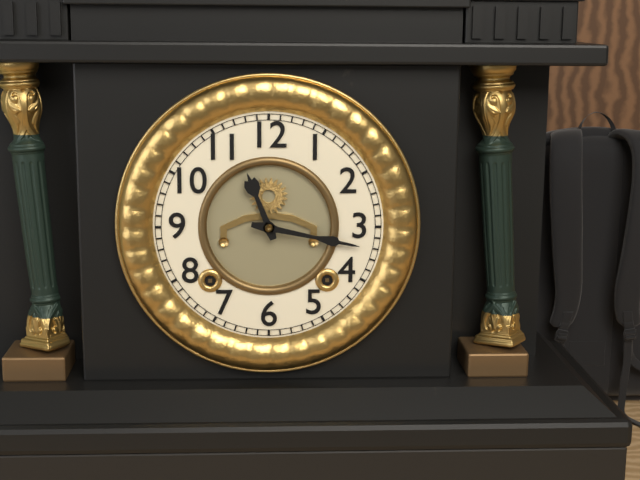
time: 11:17
